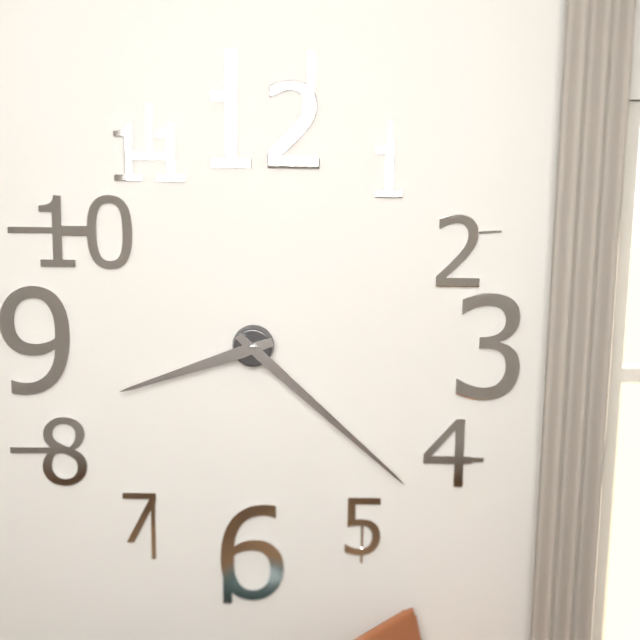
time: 8:22
